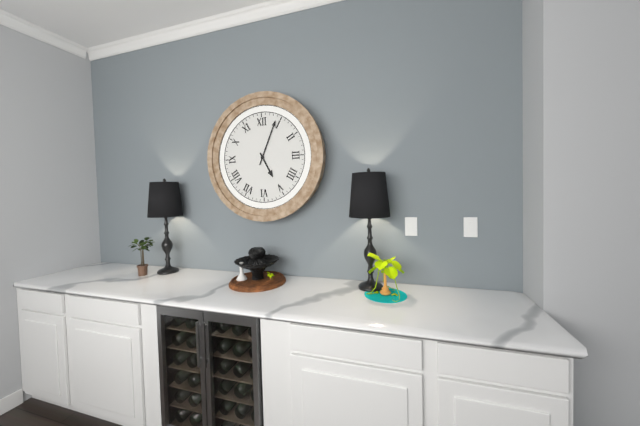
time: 5:04
